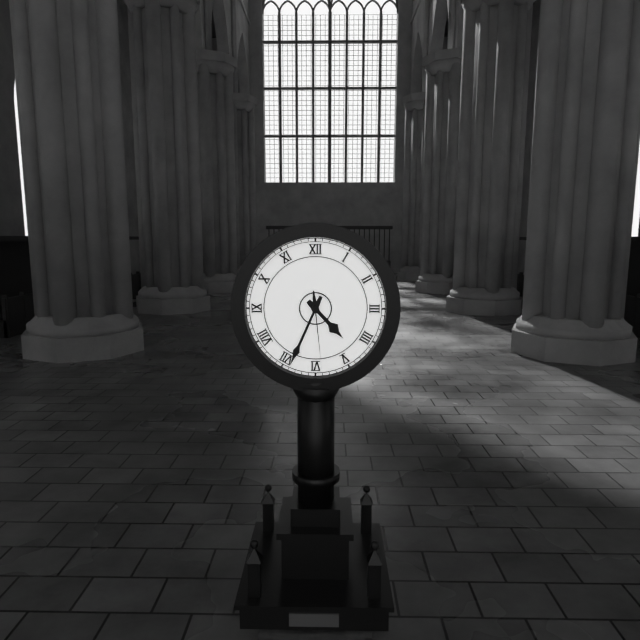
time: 4:34:29
